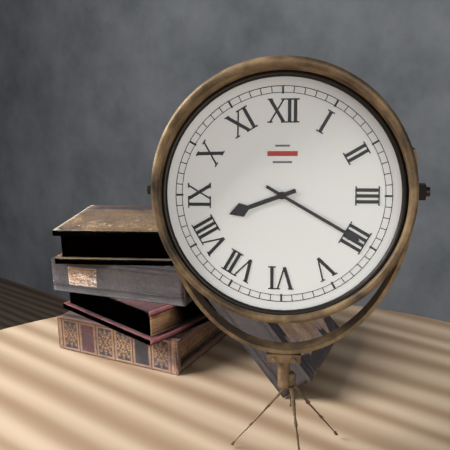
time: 8:20
